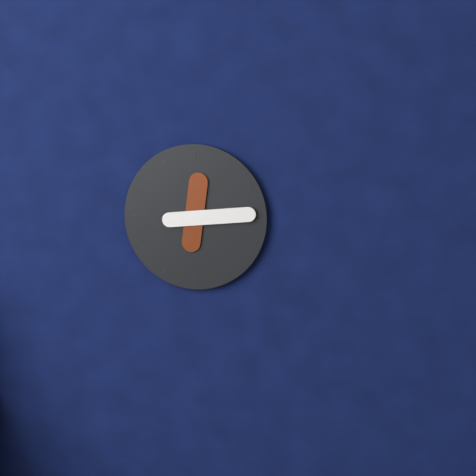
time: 12:14
